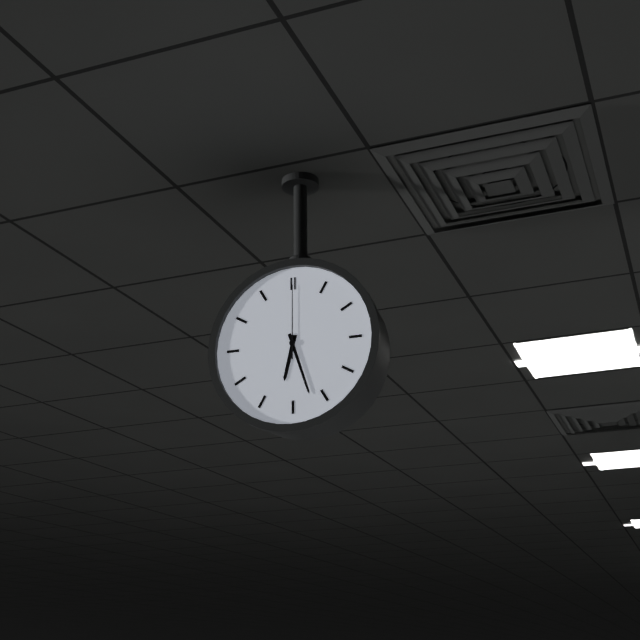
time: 6:27:00
